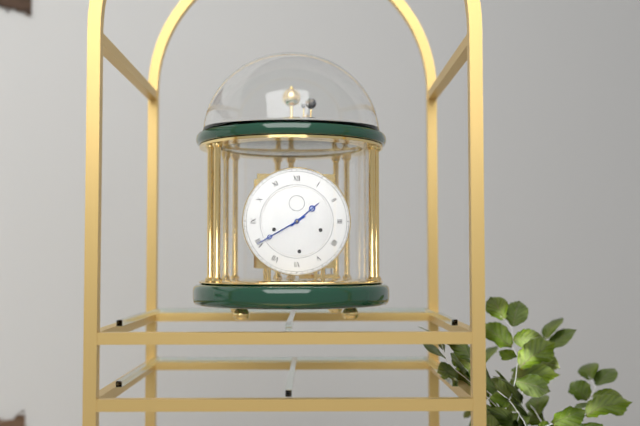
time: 1:40
